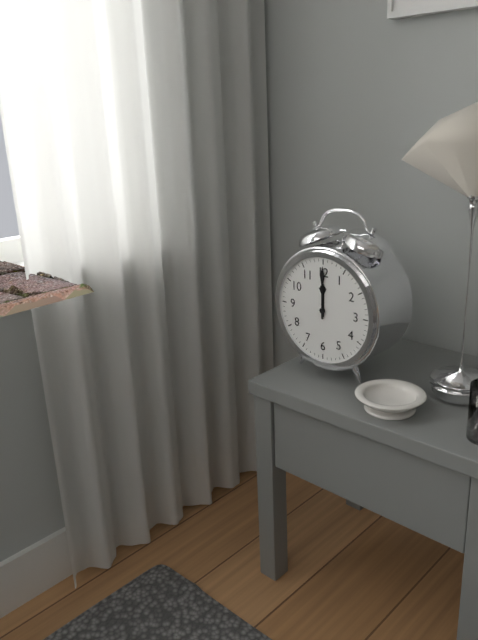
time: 12:00
